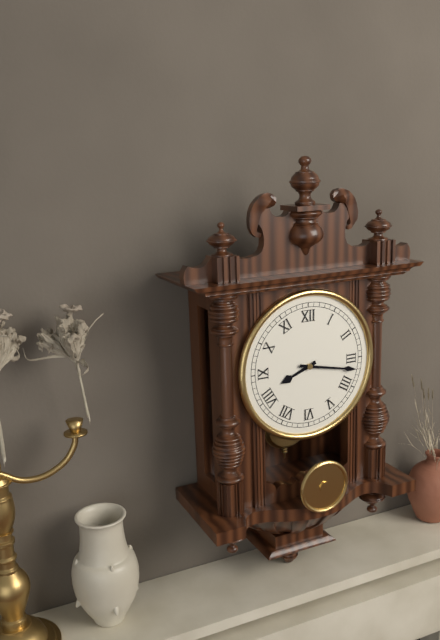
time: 8:17
